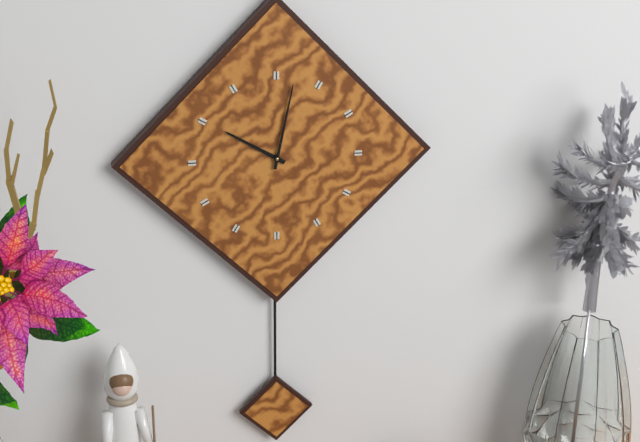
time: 10:02
